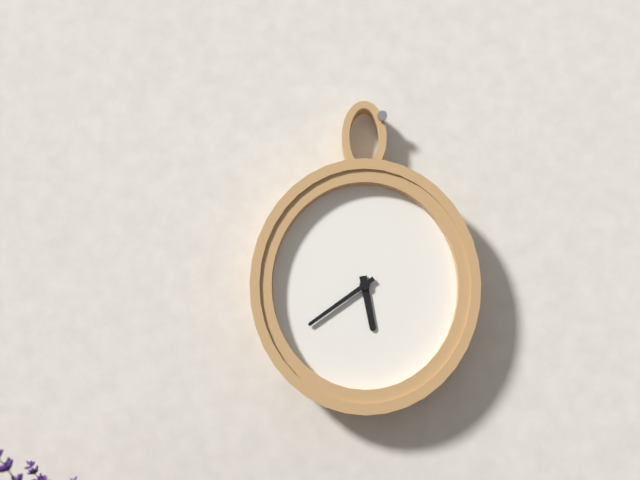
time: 5:39
